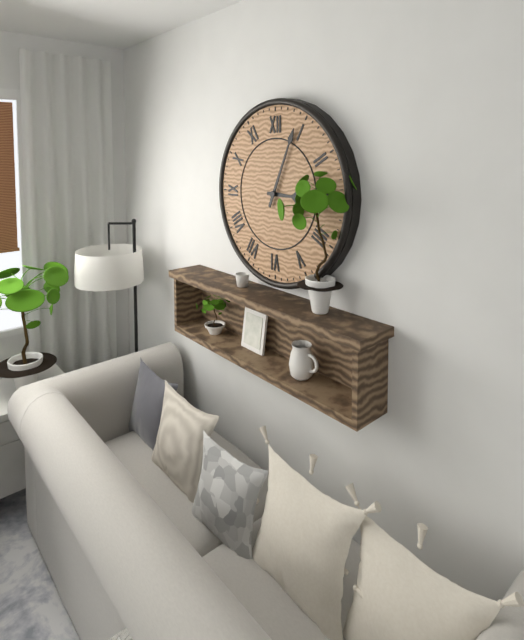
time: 3:04
